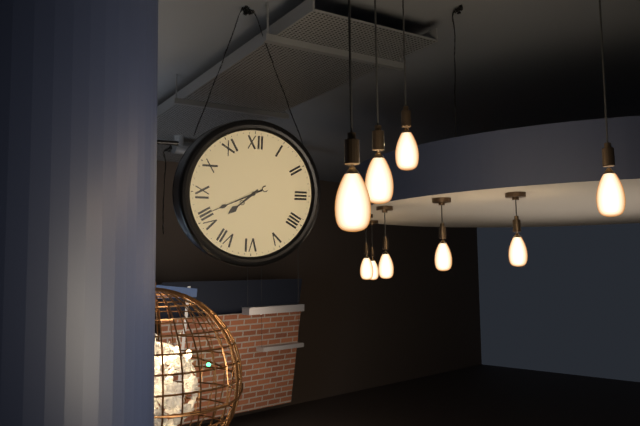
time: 7:41
